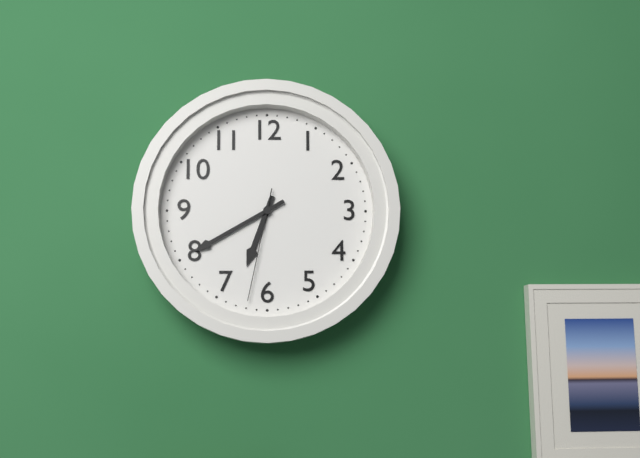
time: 6:40:32
